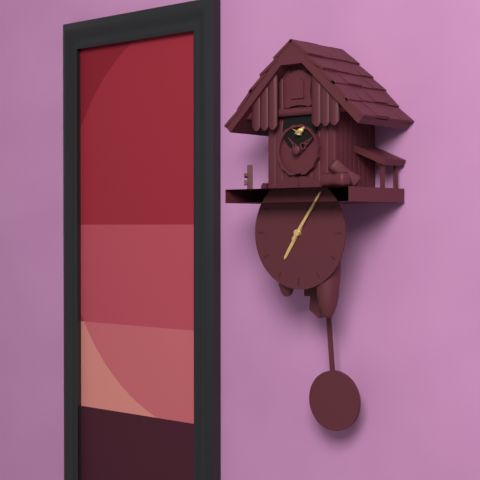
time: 7:06
